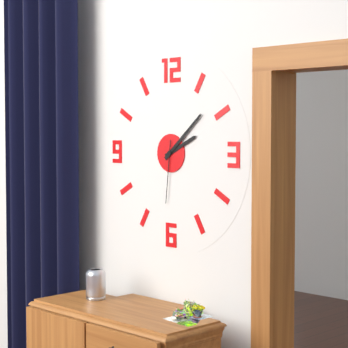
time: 2:08:31
